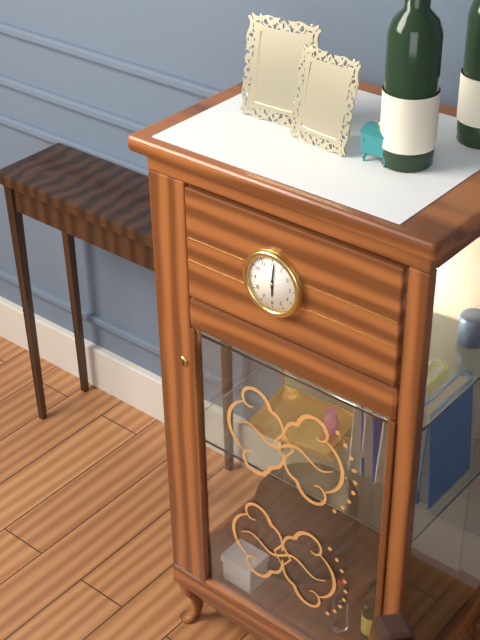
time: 6:01
